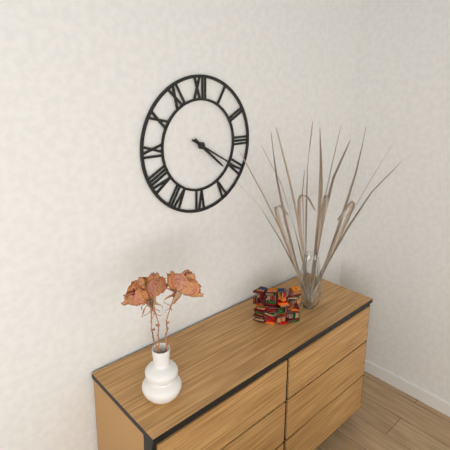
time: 4:20
